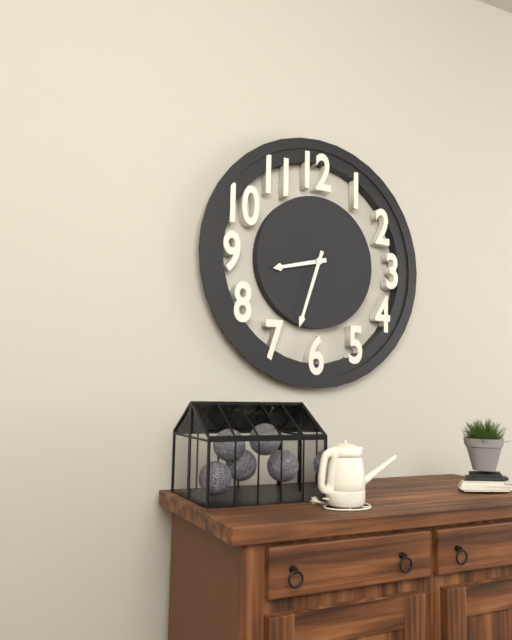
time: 8:33
